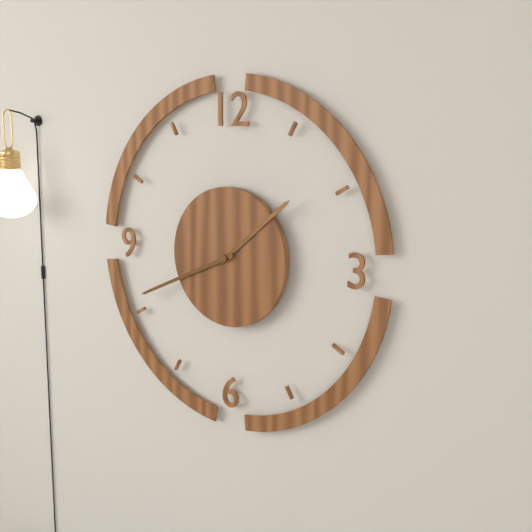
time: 1:41
